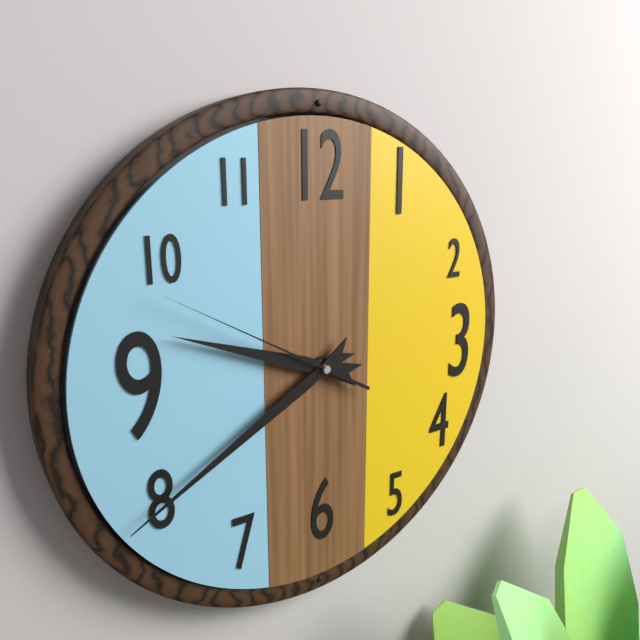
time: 9:40:50
